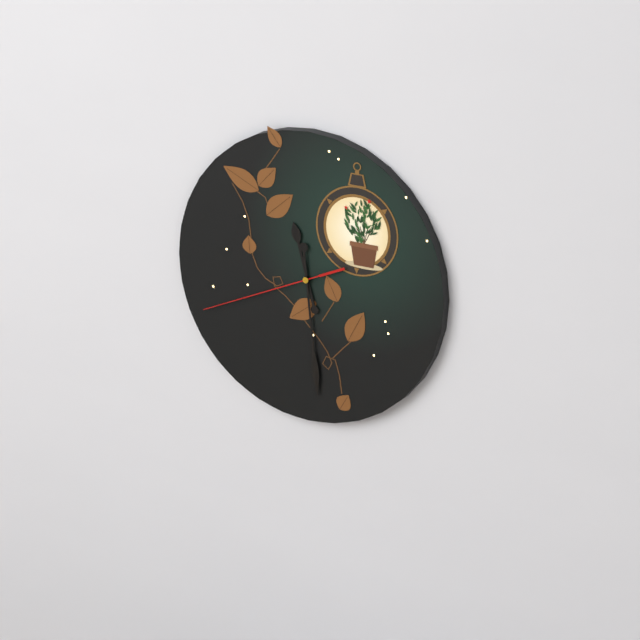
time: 11:29:41
